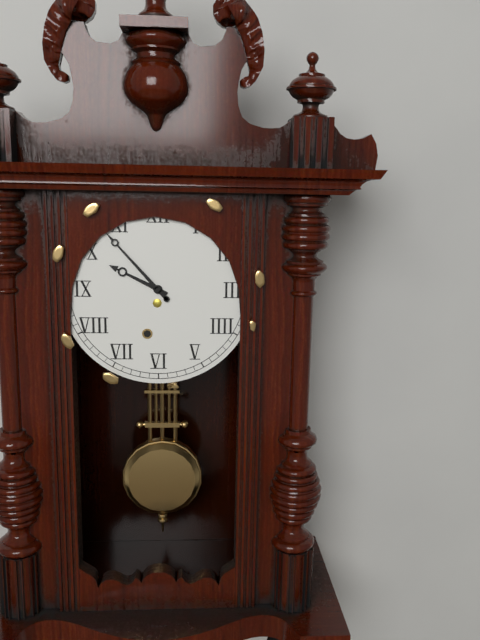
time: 9:53
